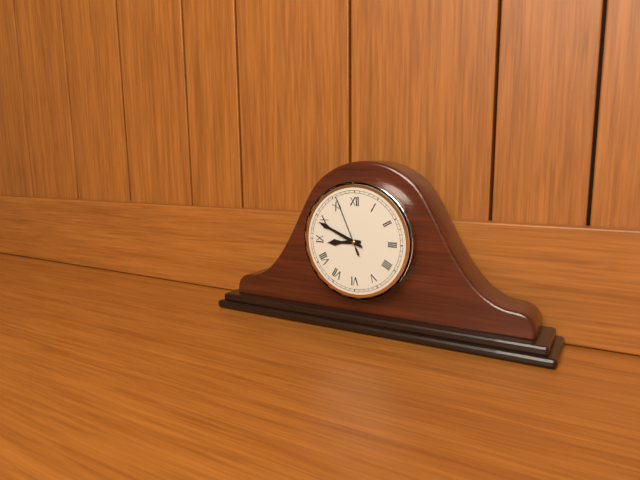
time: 8:49:56
